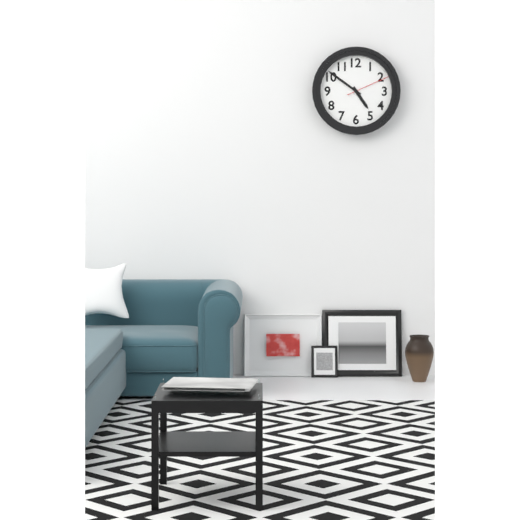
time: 4:51
